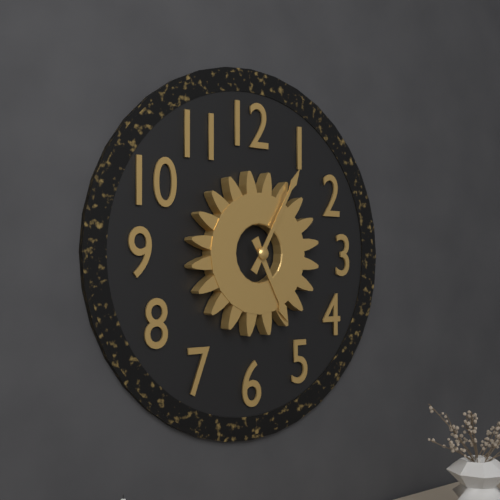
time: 5:05
